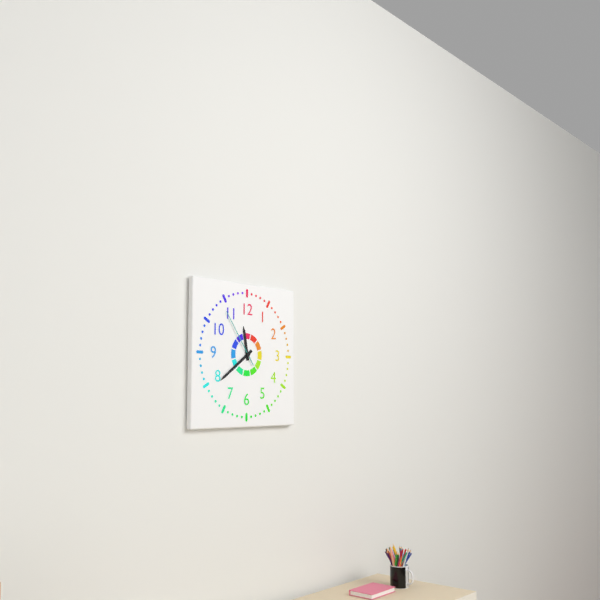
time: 11:39:54
